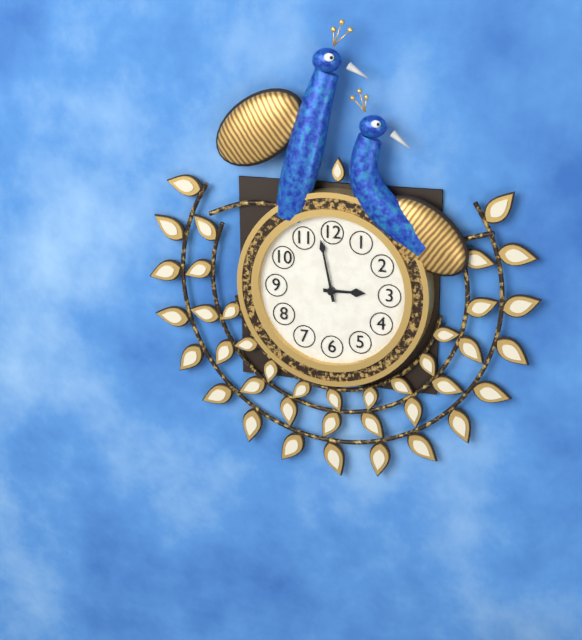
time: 2:58
